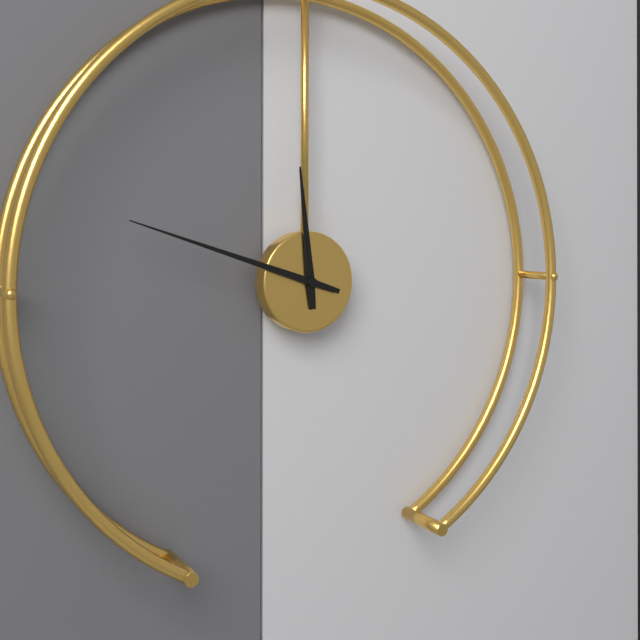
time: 11:48
